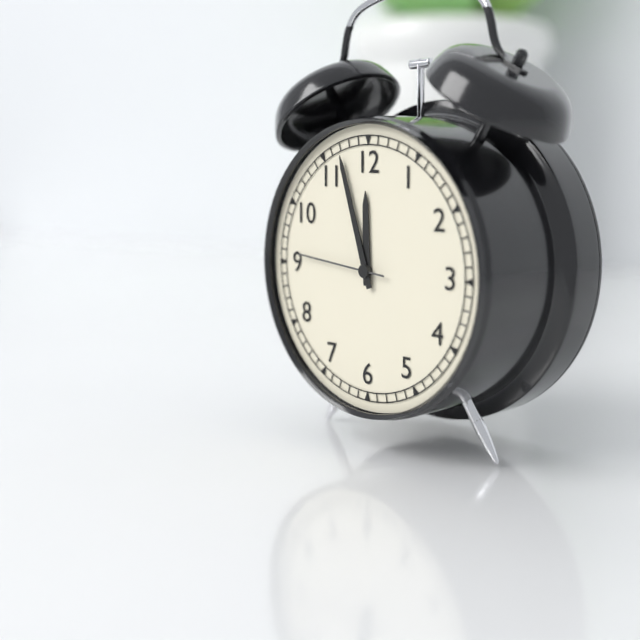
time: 11:57:46
